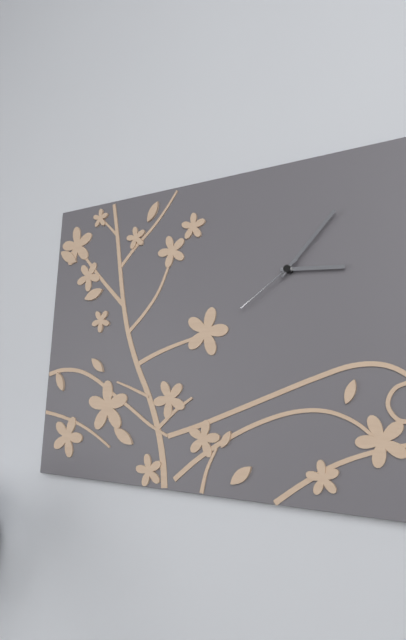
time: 3:07:39
